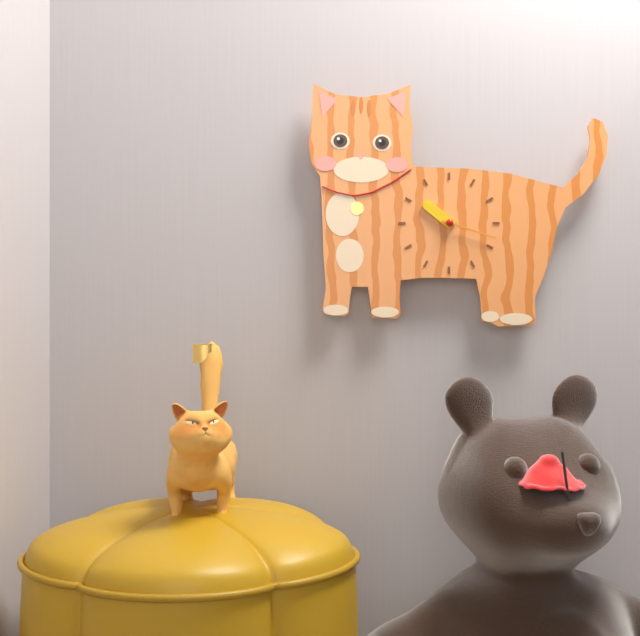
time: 10:18
